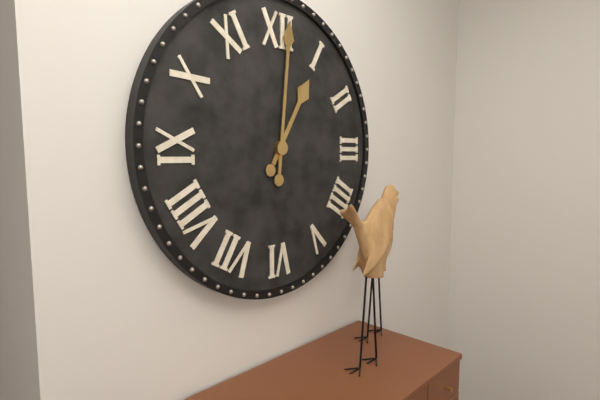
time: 1:01
